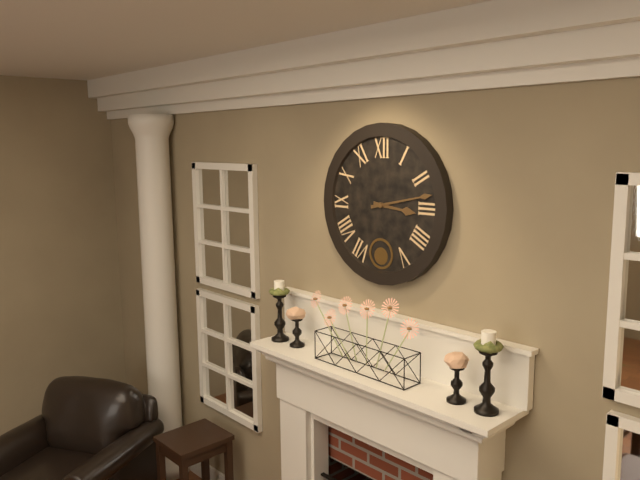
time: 3:13
